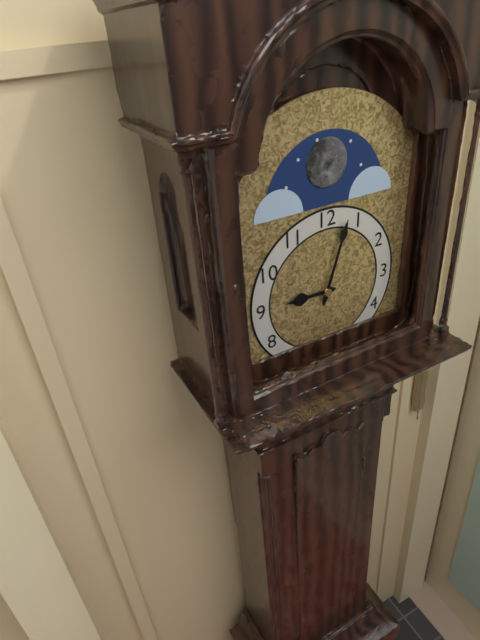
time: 9:03
